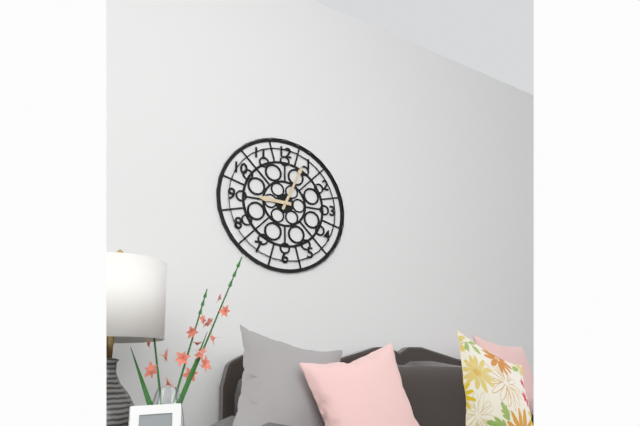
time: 9:04
